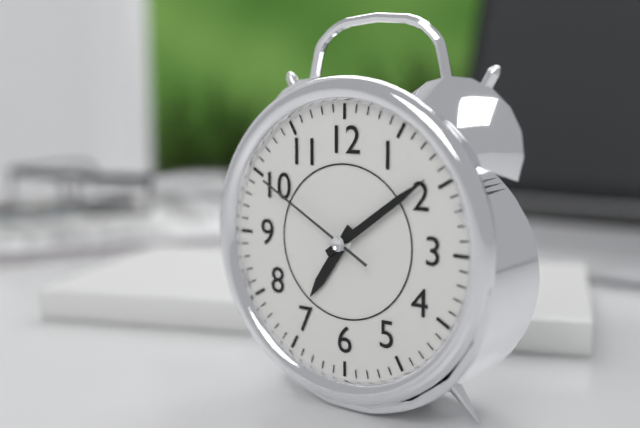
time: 7:09:50
